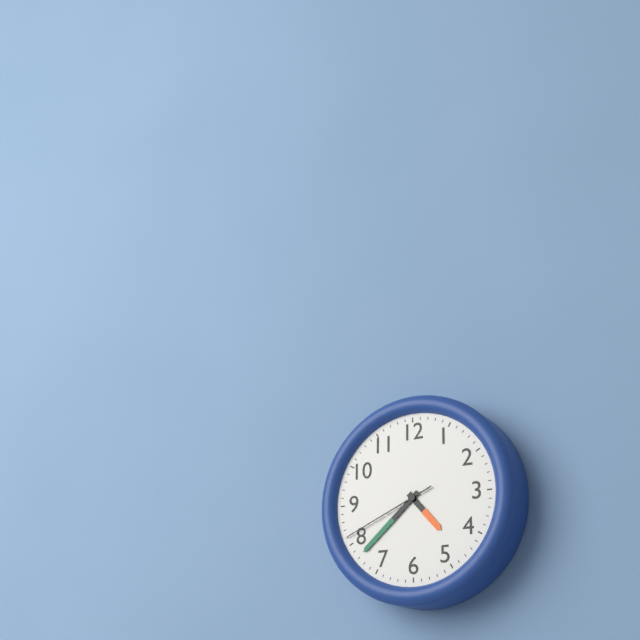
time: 4:38:41
